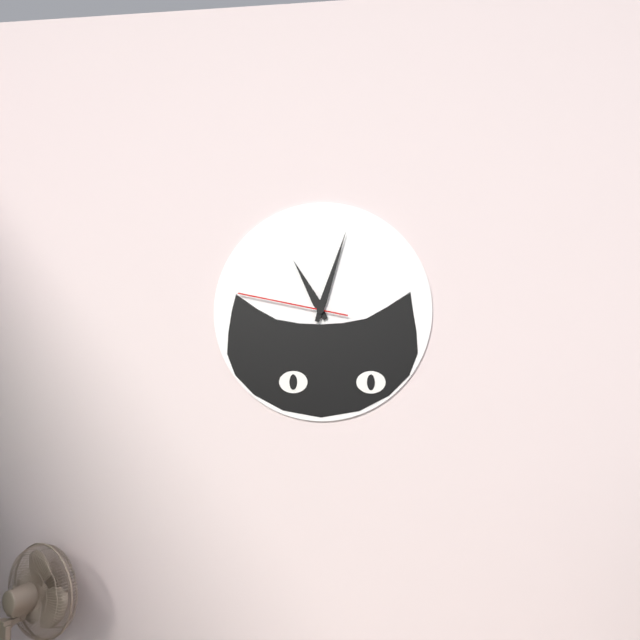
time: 11:03:47
